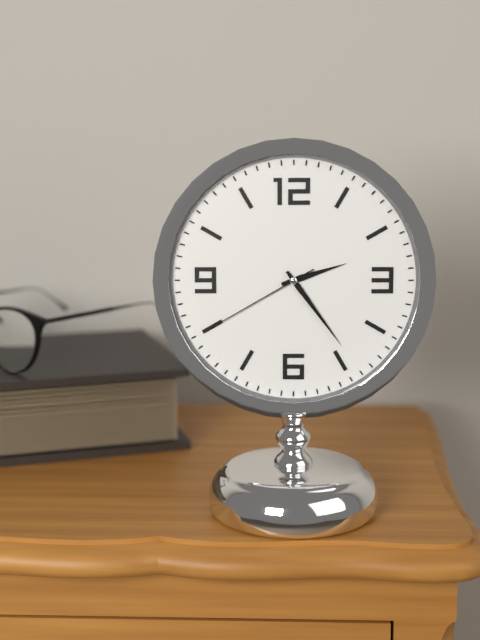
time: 2:24:40
